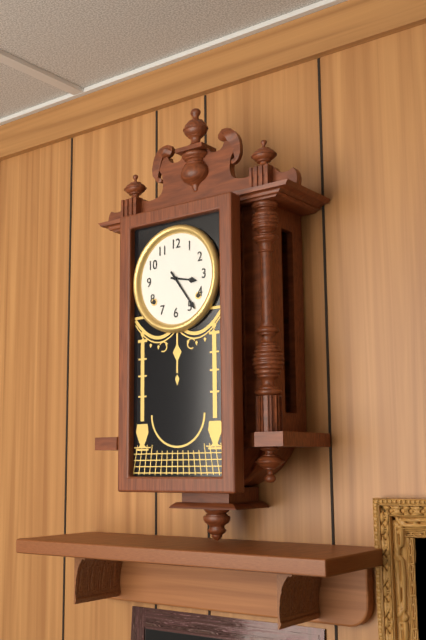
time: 3:24
